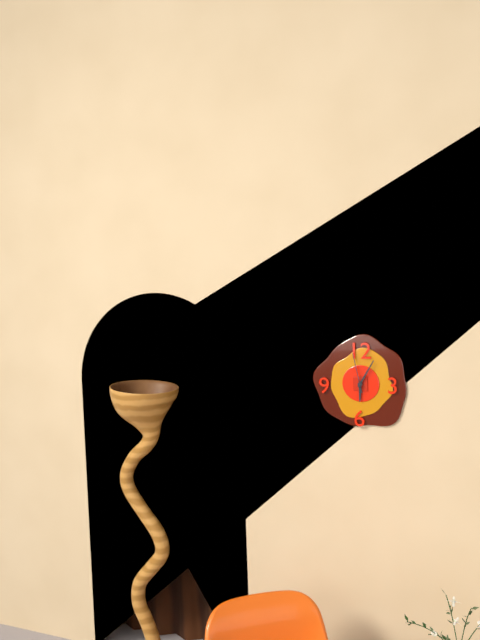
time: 6:05
